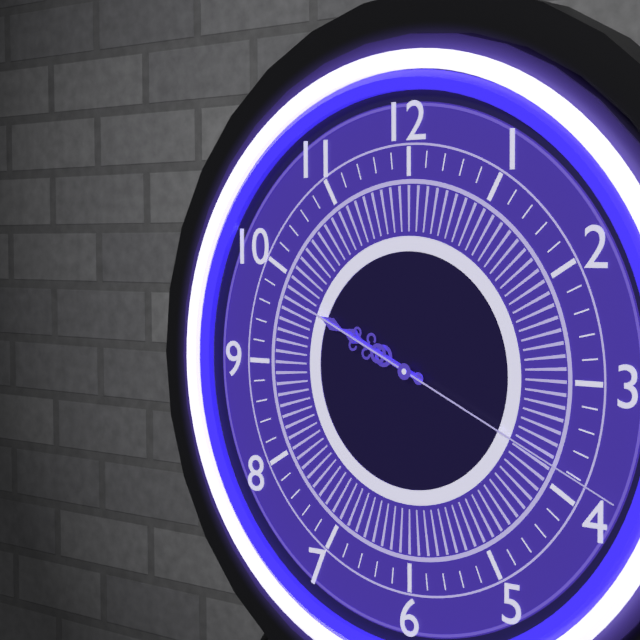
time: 9:49:19
